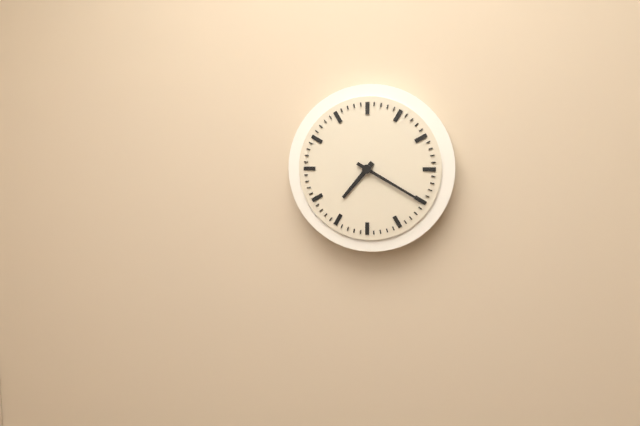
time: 7:20
